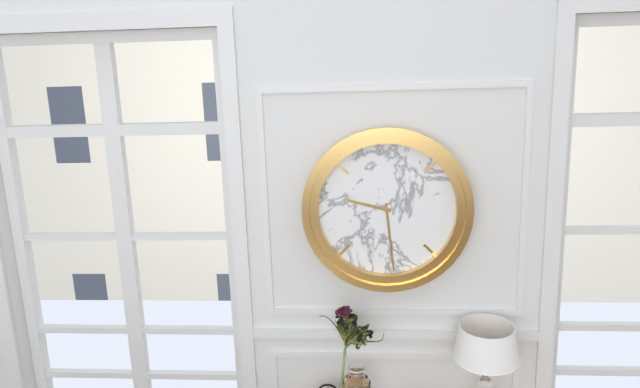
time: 9:29
